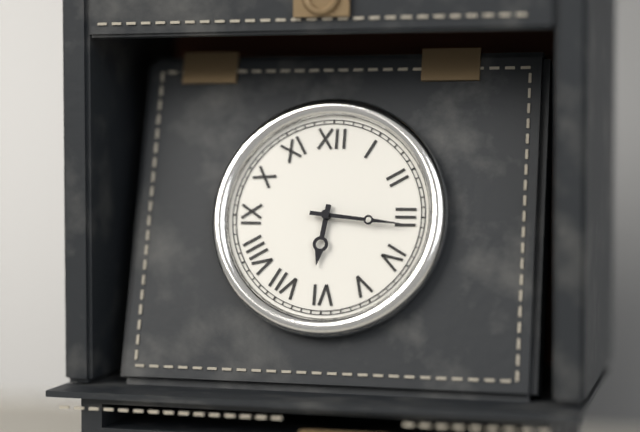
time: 6:16
